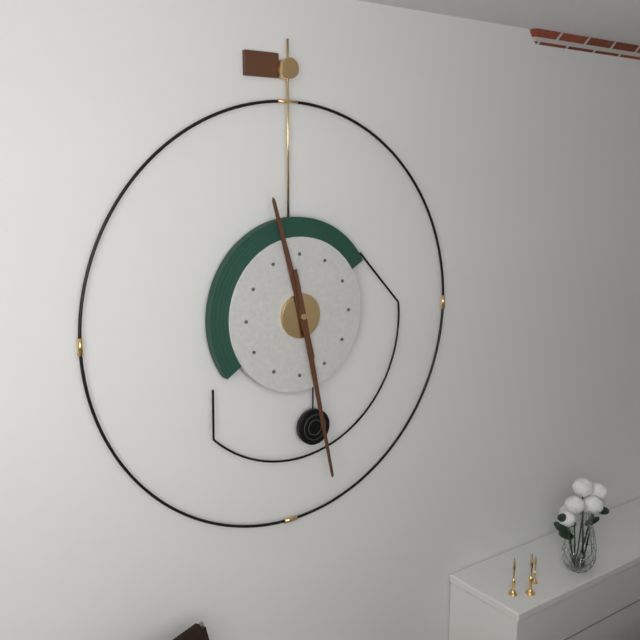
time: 11:28
